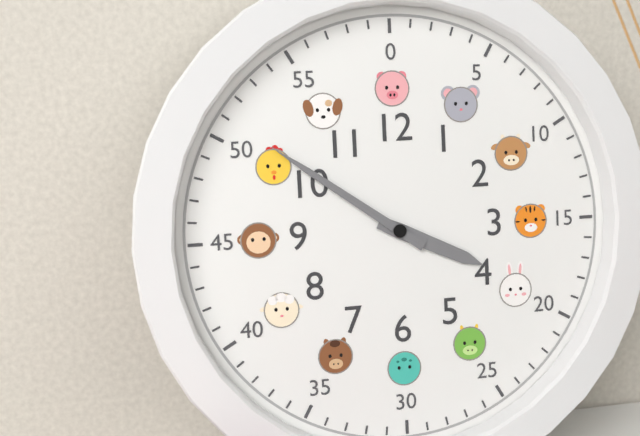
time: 3:51
